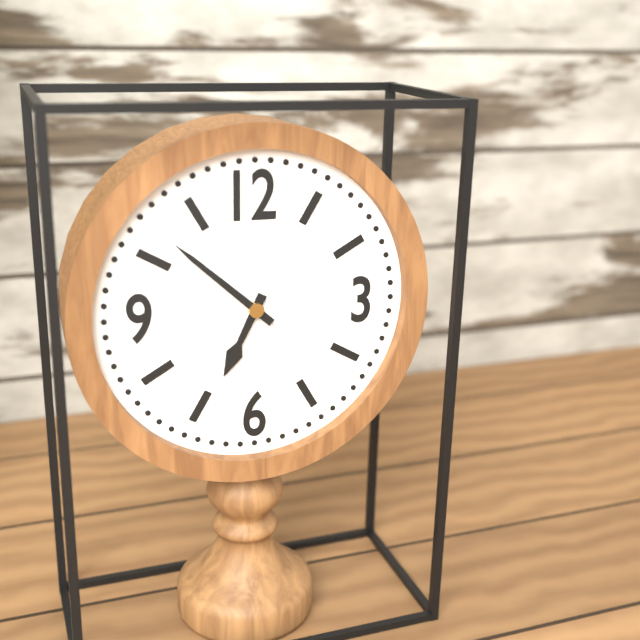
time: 6:52
